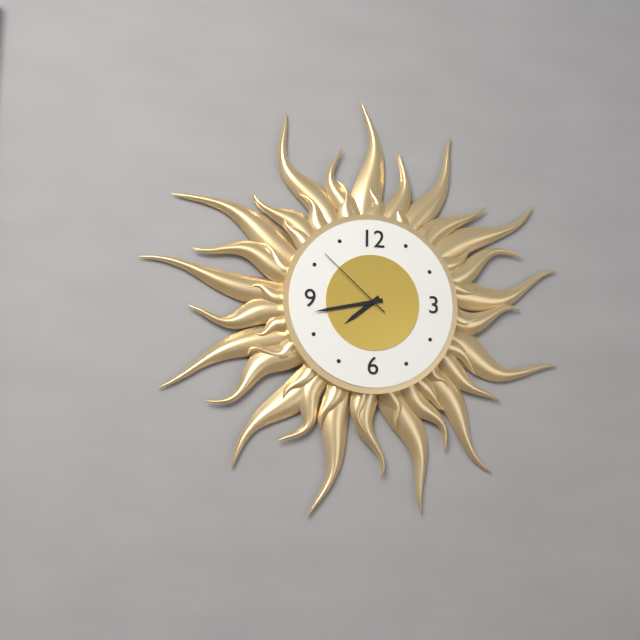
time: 7:43:52
